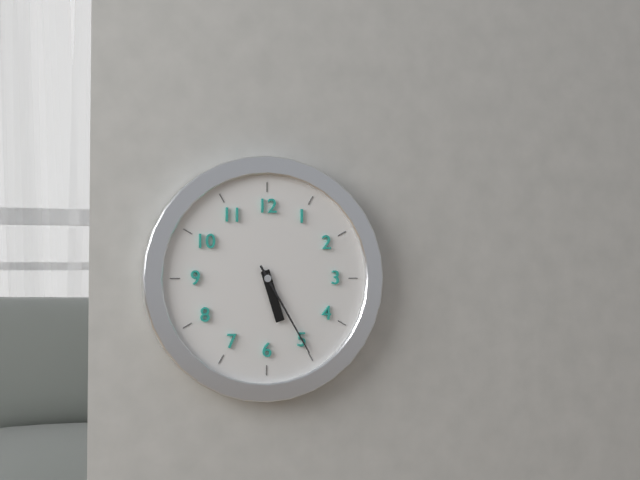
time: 5:25
